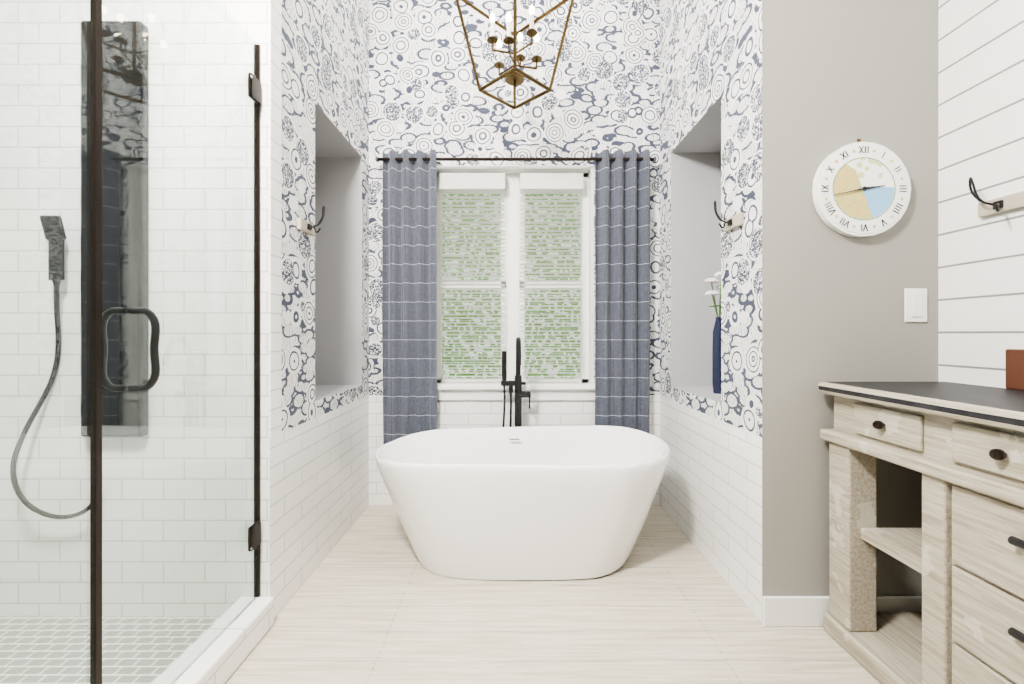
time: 2:43
